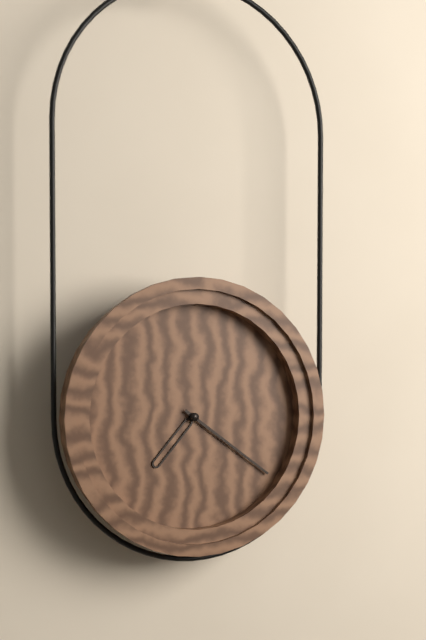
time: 7:21
